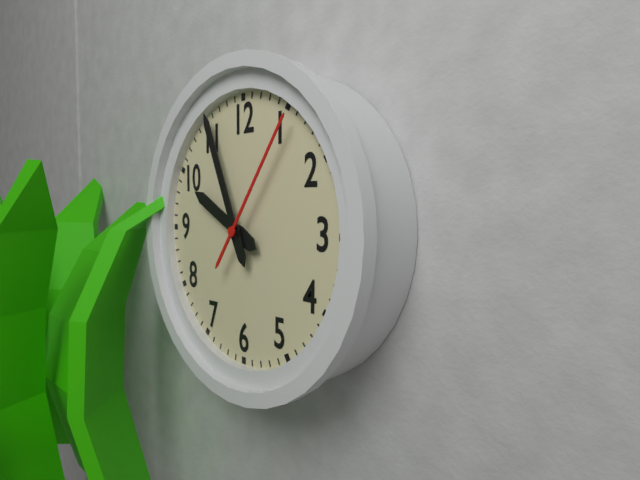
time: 9:56:06
